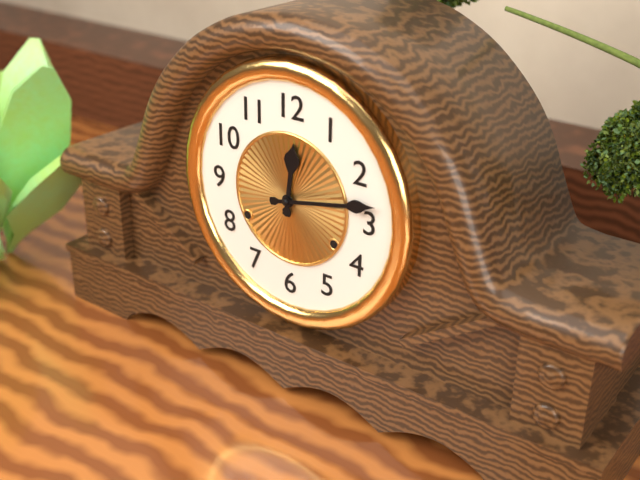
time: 12:13
